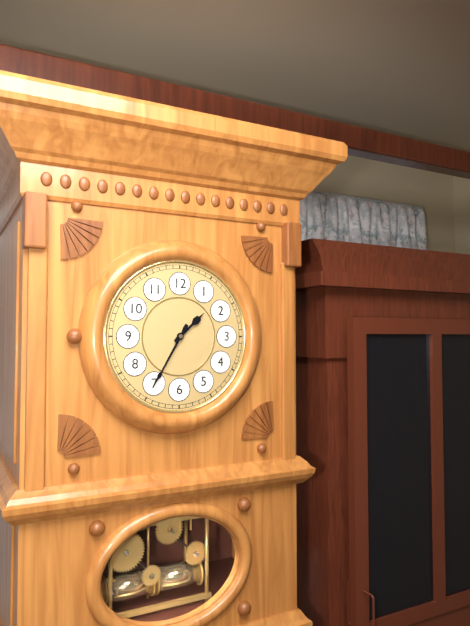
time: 1:35
